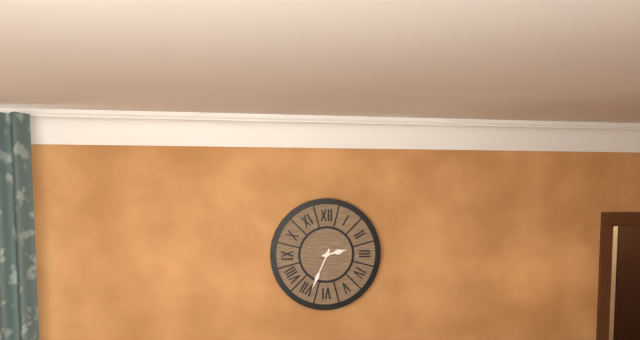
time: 2:34
